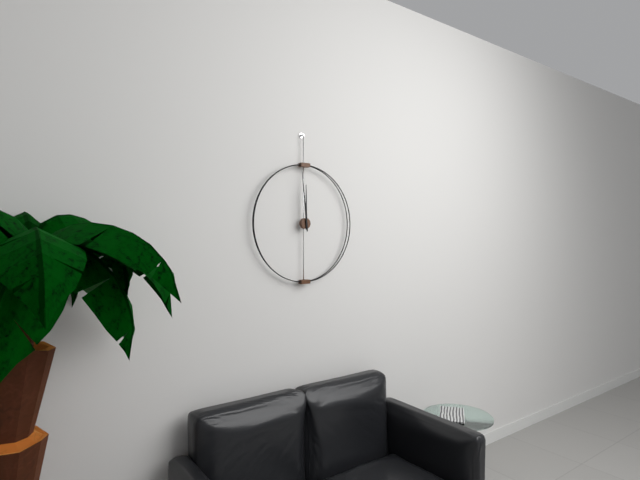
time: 11:59
